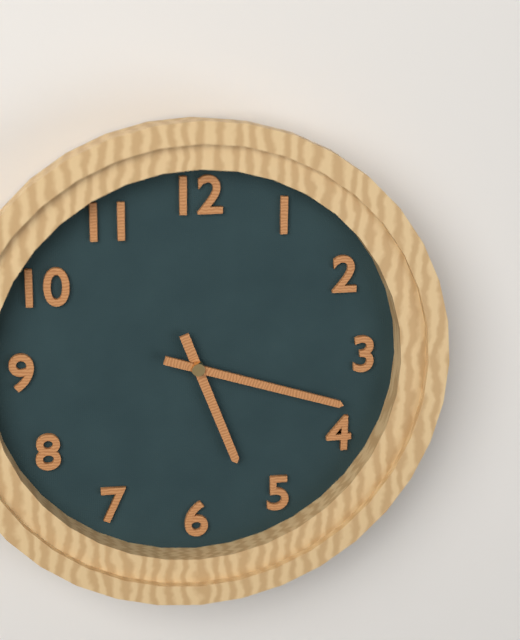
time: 5:18
